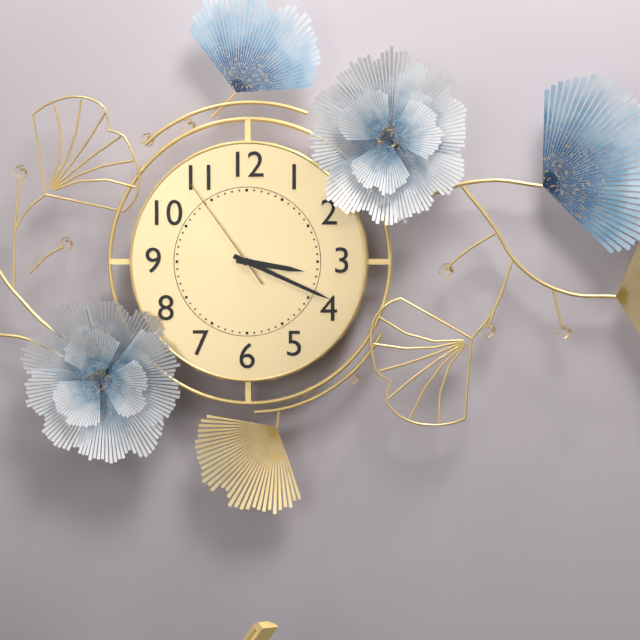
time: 3:19:54
